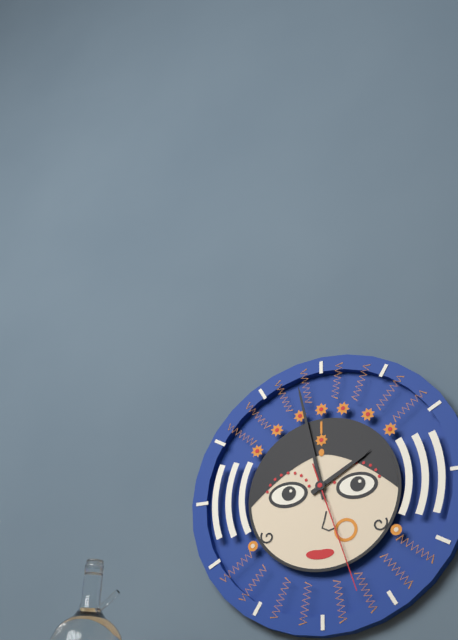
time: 1:58:27
